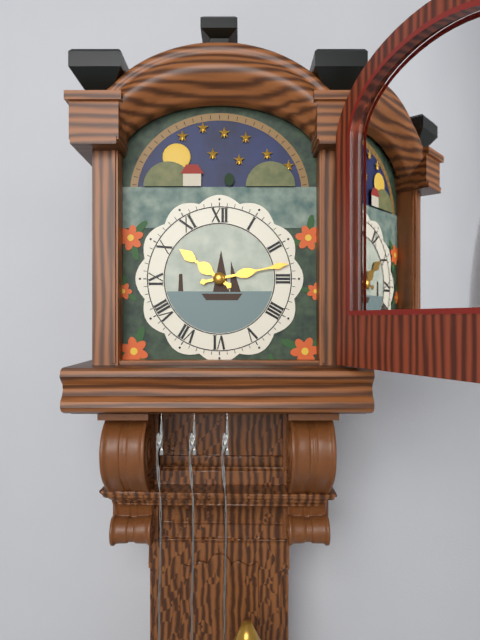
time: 10:13
